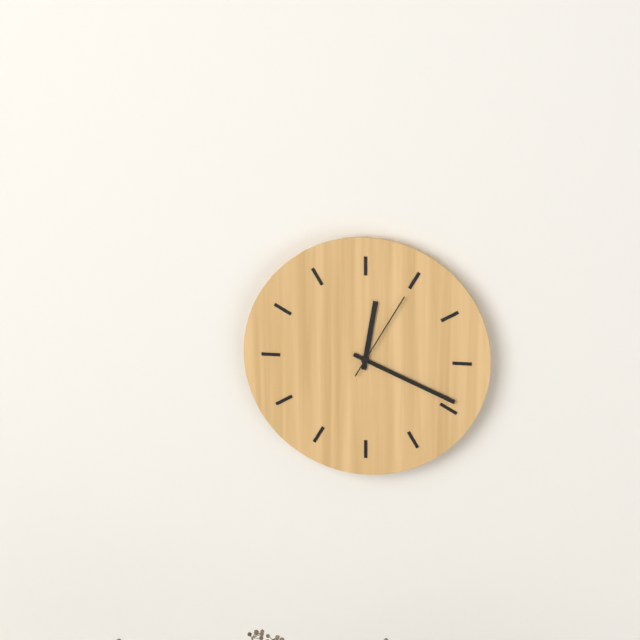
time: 12:19:05
